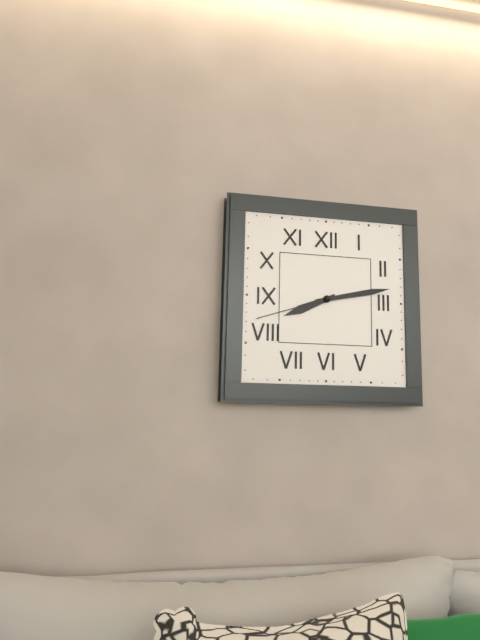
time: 8:13:42
